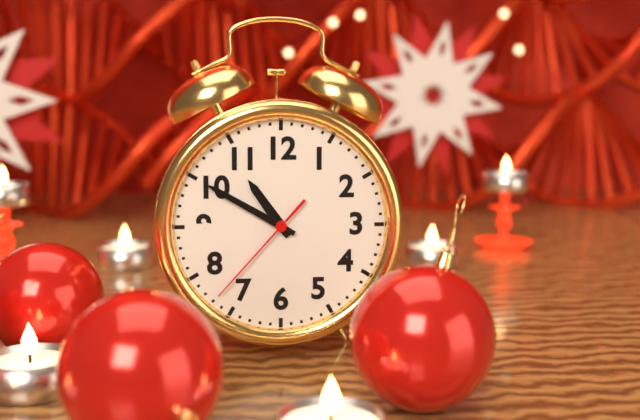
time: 10:50:37
